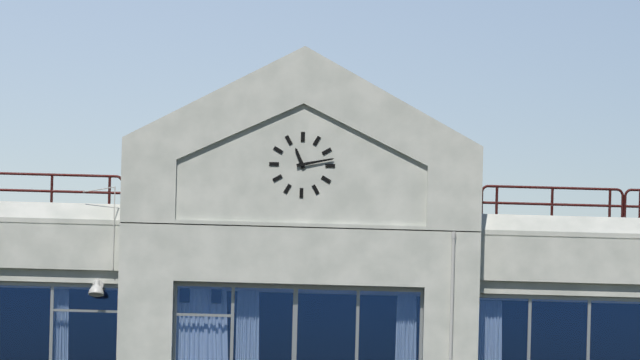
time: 11:13
